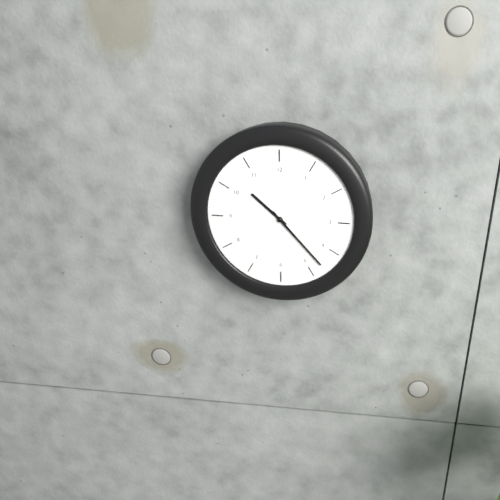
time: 10:23
